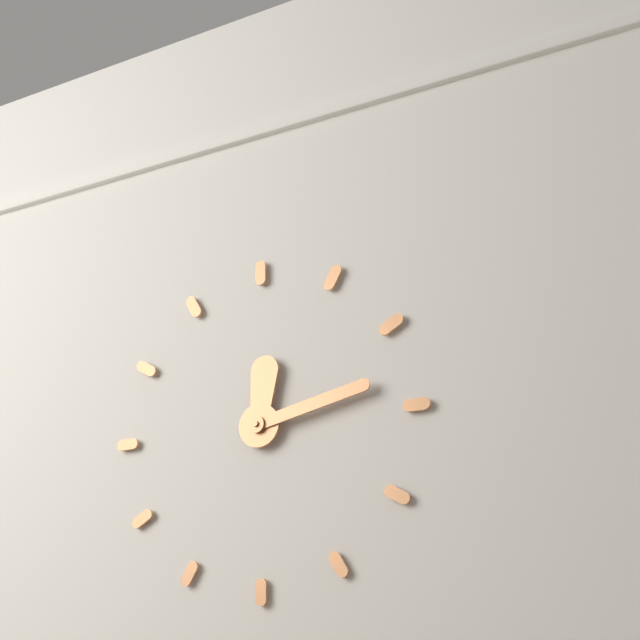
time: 12:13
